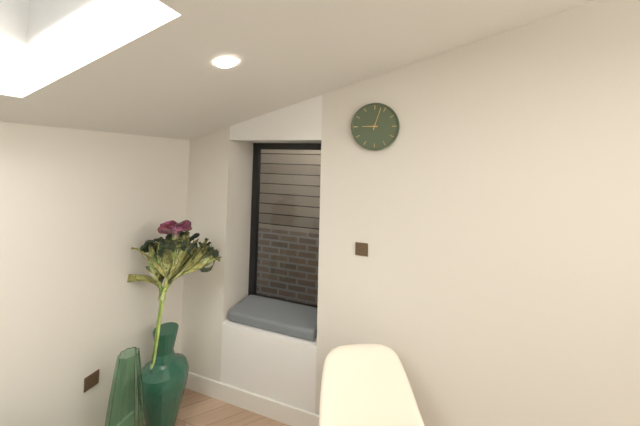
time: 9:03
